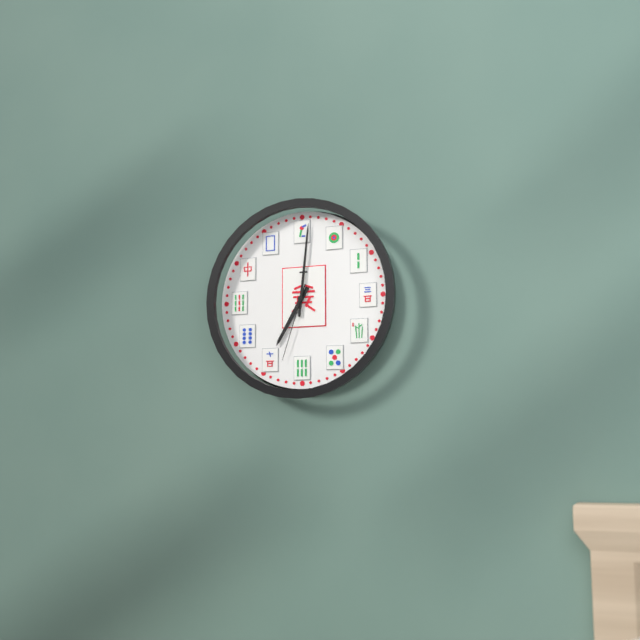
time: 7:01:33
